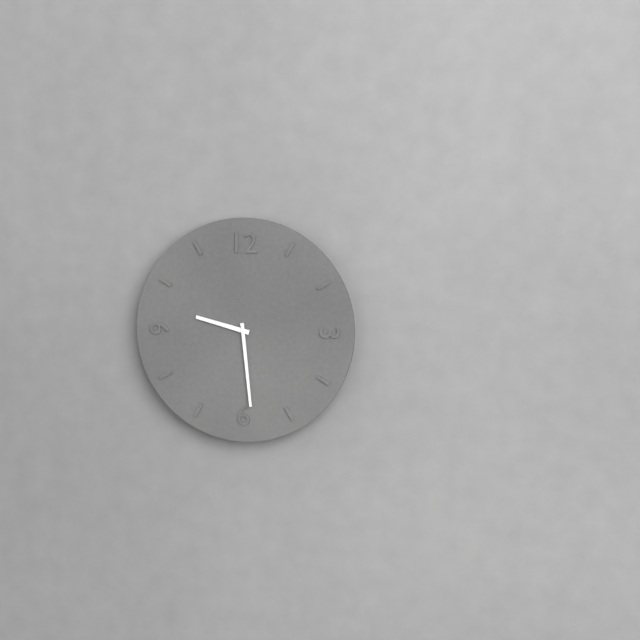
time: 9:29
